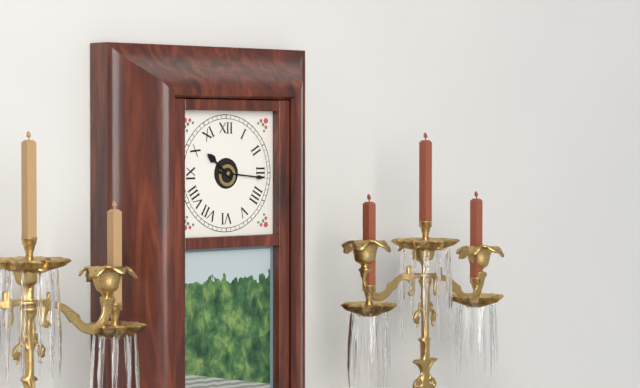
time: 10:16
